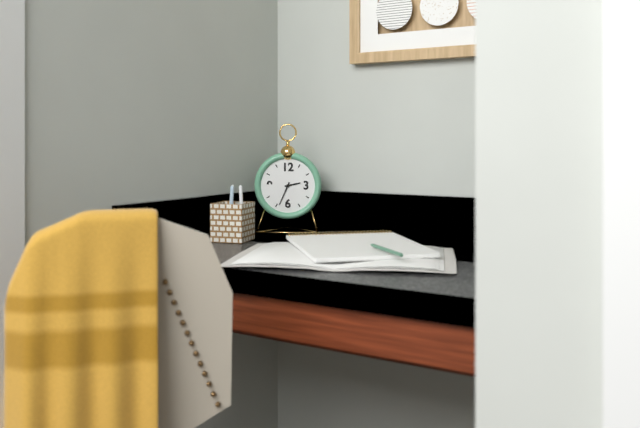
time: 2:34
